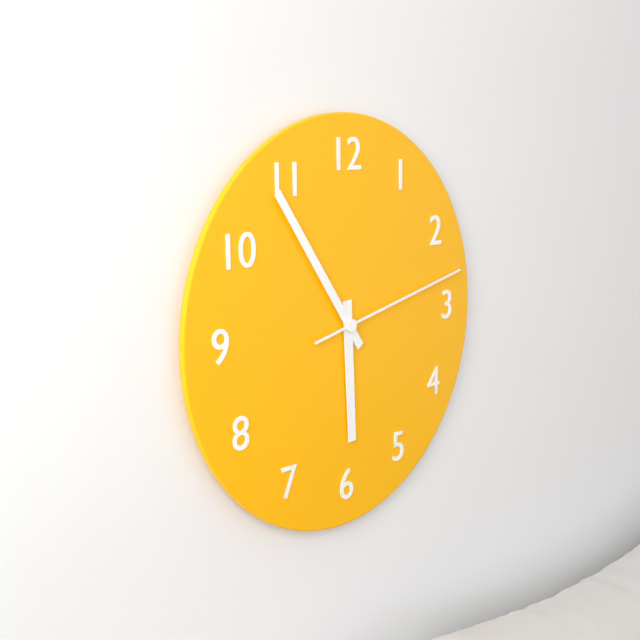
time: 5:54:13
